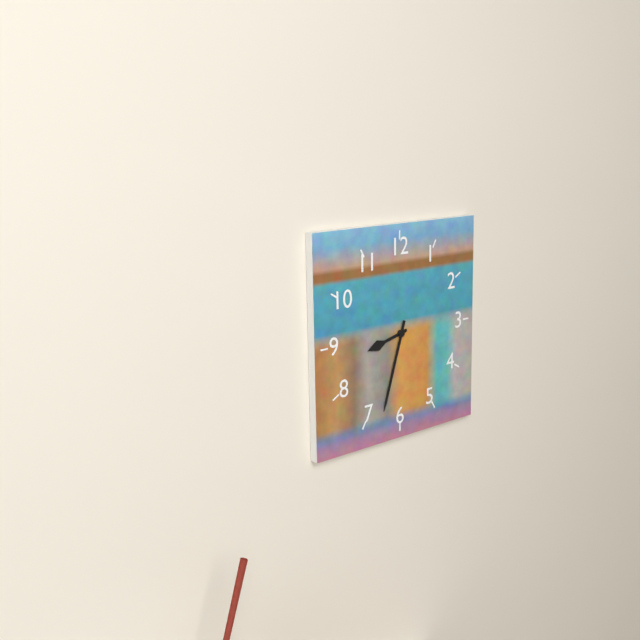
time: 8:33
